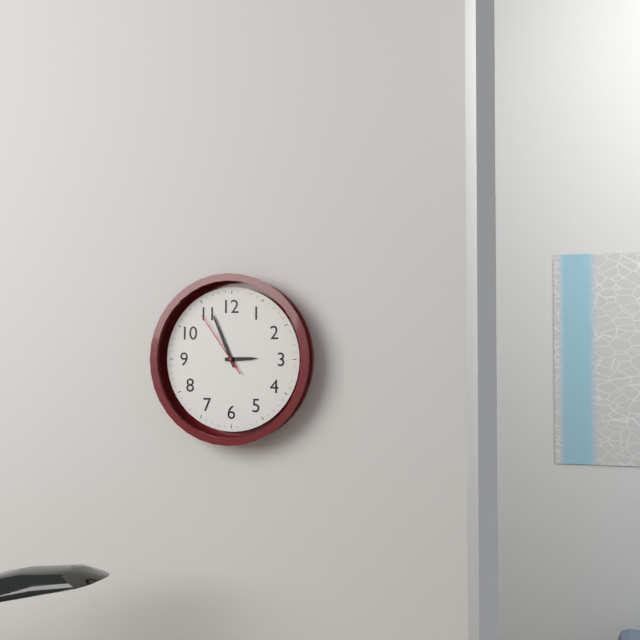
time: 2:56:54
